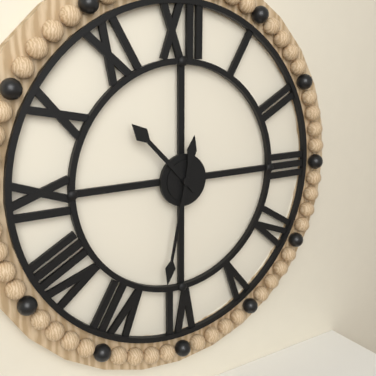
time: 10:32
